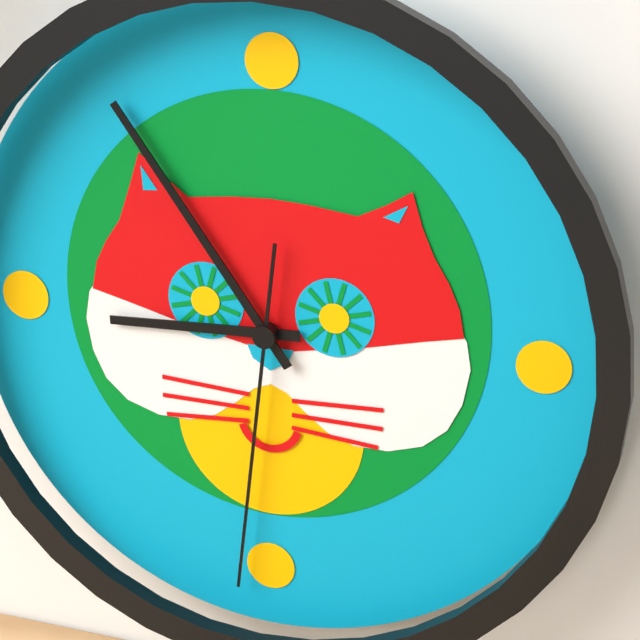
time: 8:54:31
